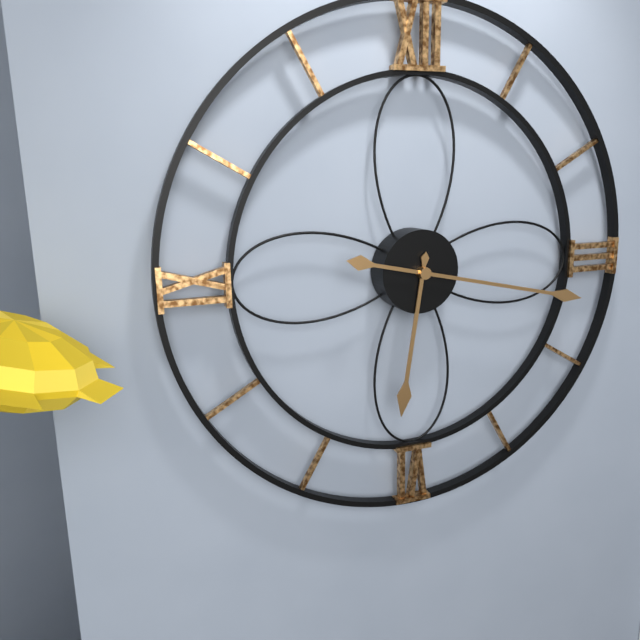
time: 6:17
